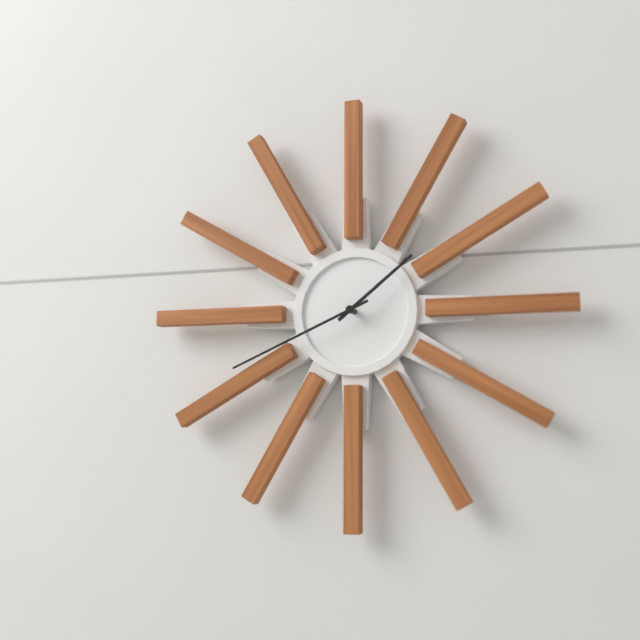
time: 1:41
